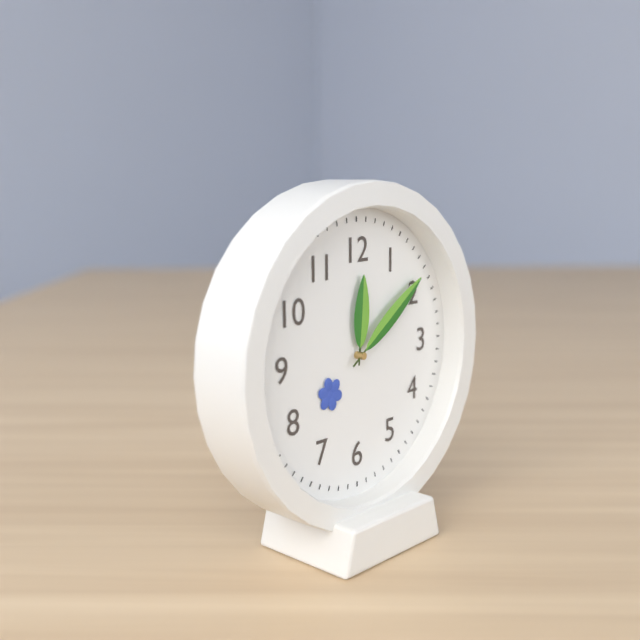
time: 12:09
